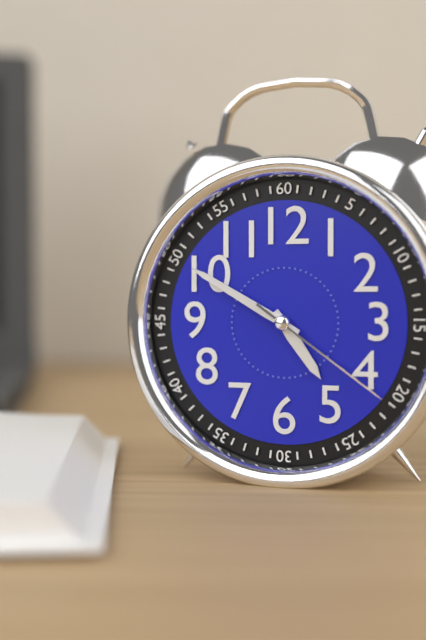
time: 4:50:21
